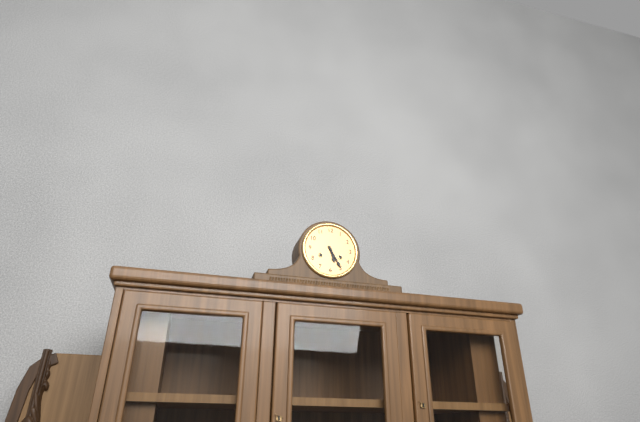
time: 5:25
